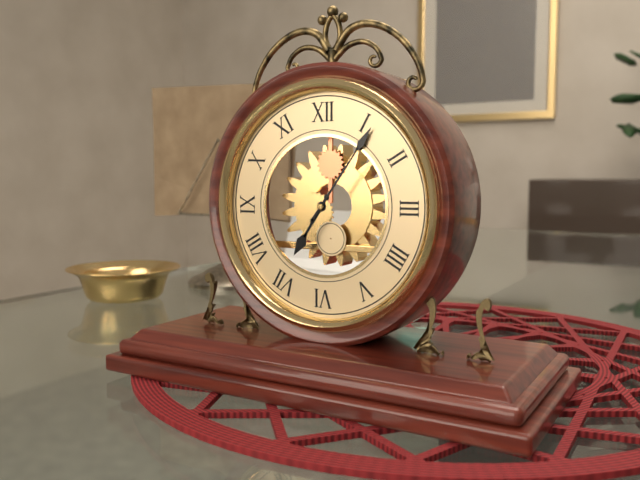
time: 7:06
